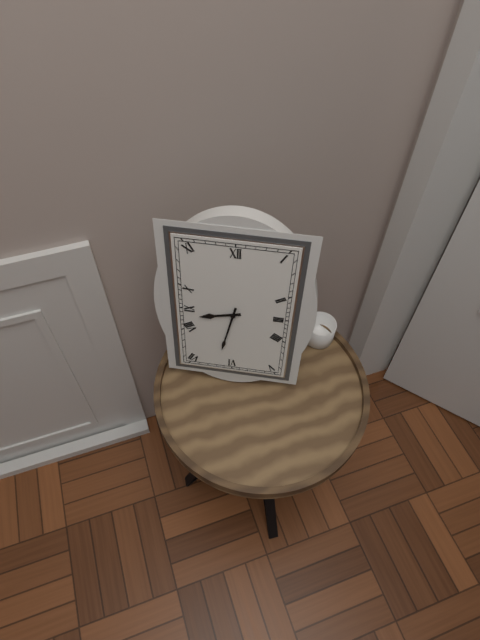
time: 8:32
